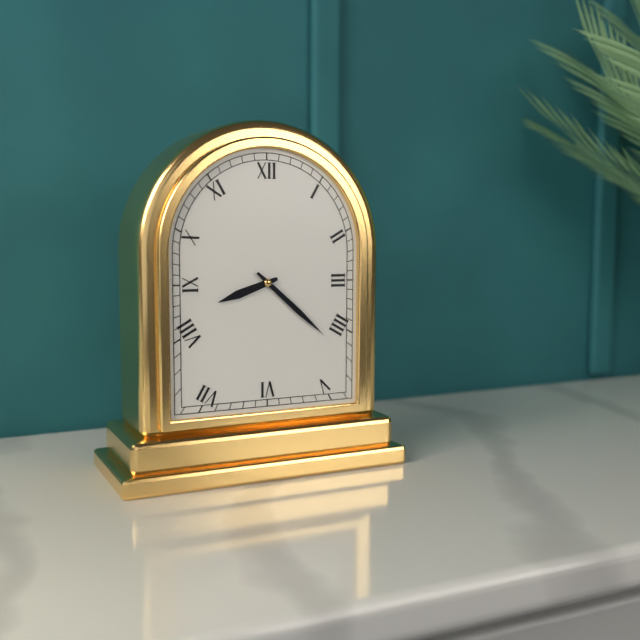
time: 8:22
